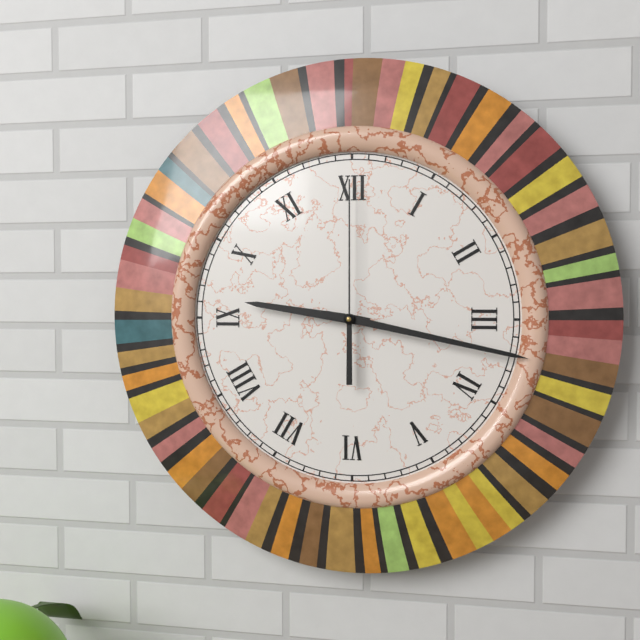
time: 9:17:00
